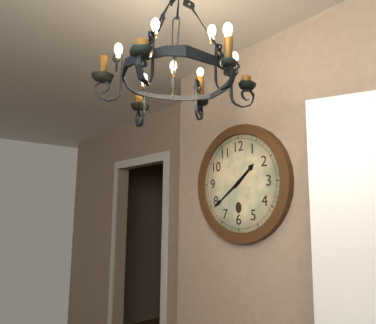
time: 1:39
